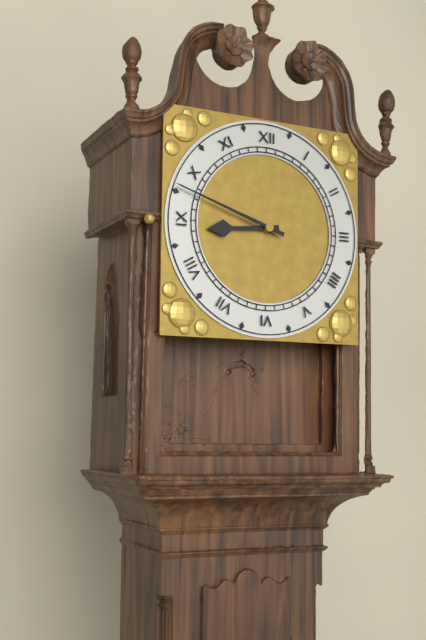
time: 8:48
